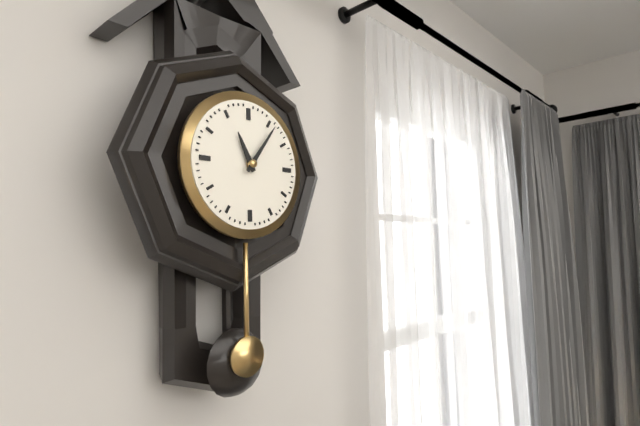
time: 11:06
